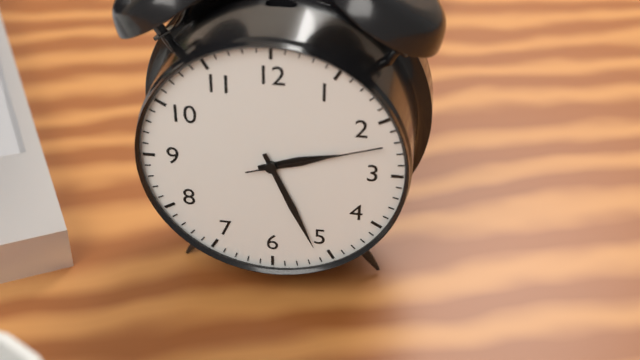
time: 2:26:12
